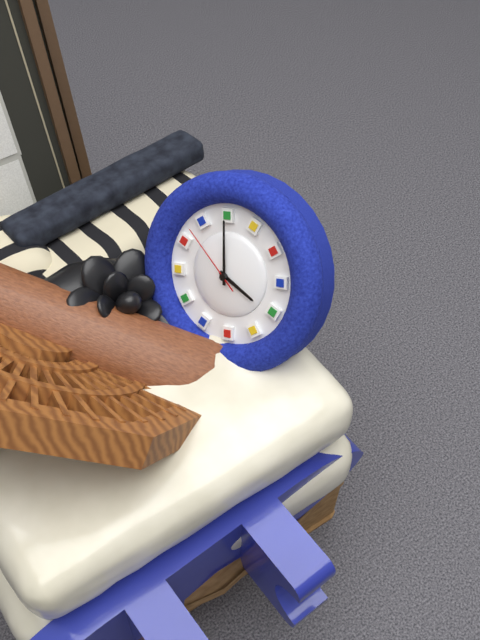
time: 5:05:58
